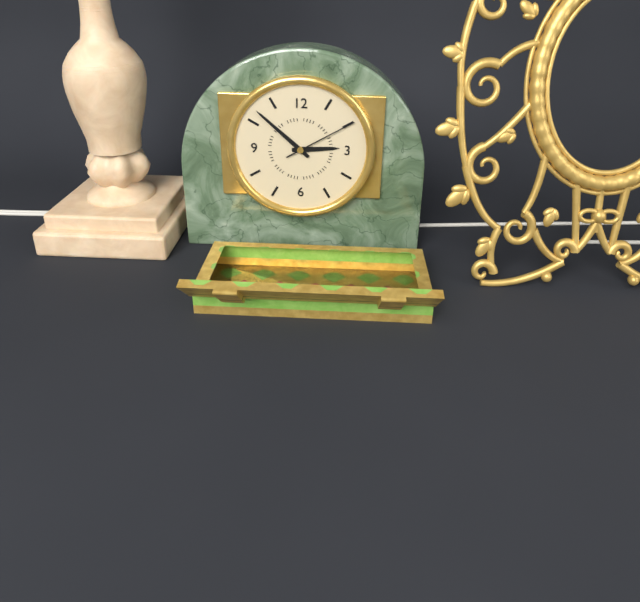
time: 2:52:10
